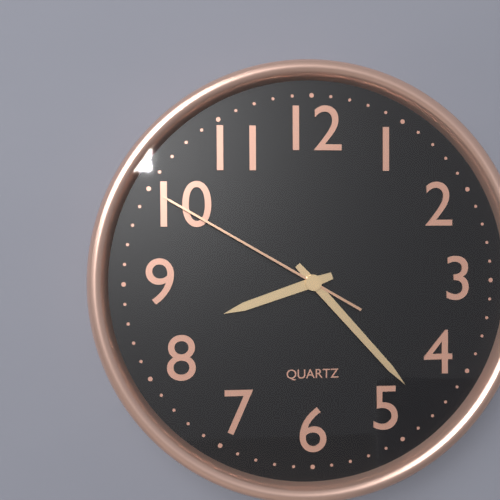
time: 8:23:50
